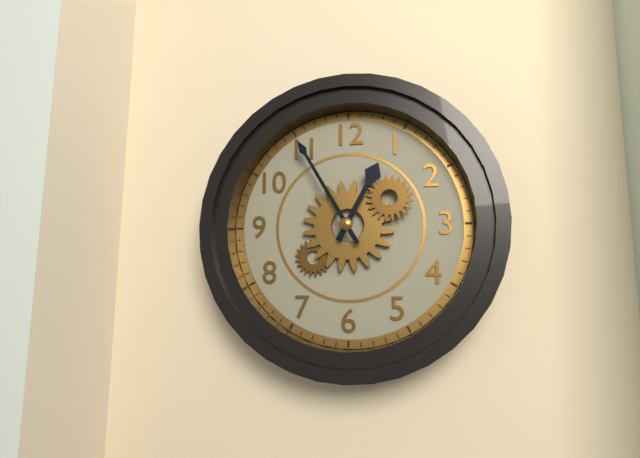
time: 12:55
